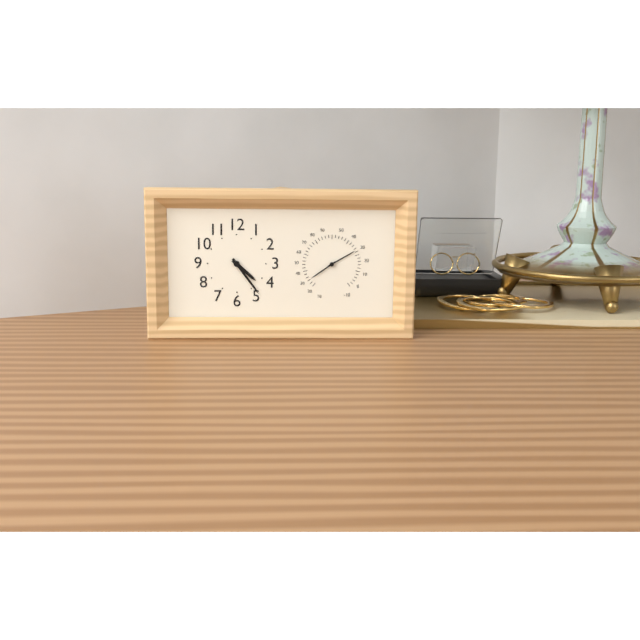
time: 4:24
